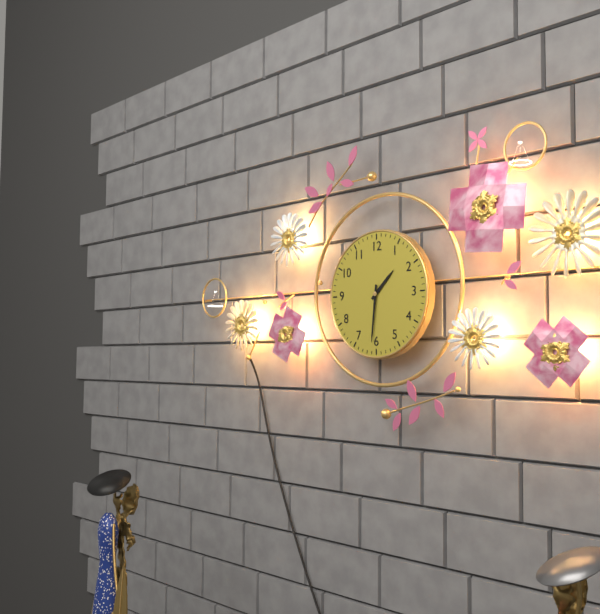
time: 1:31
